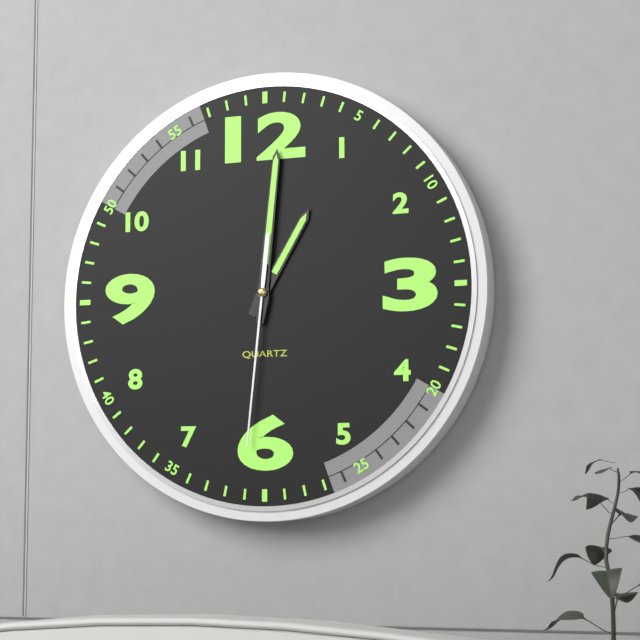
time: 1:01:31
